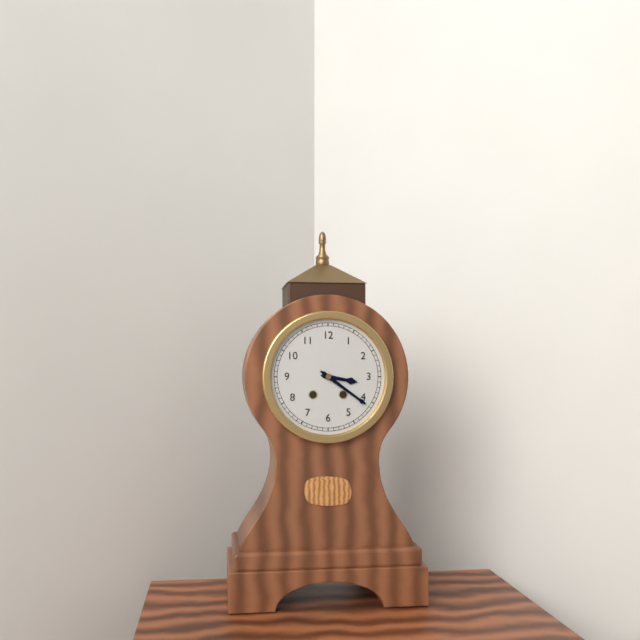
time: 3:21
